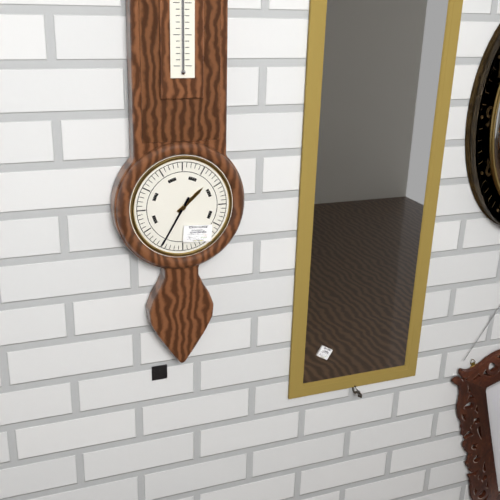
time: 1:35
